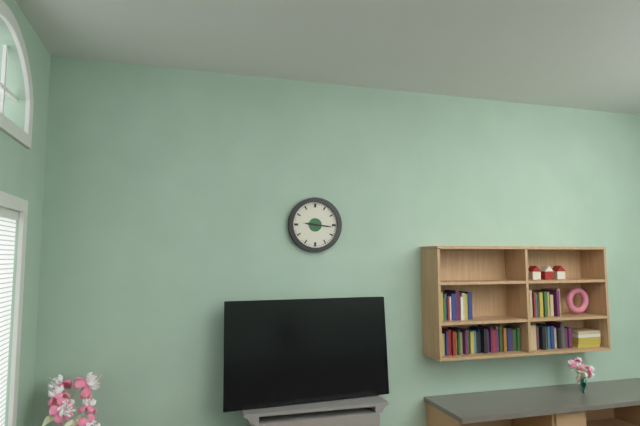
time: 9:16
